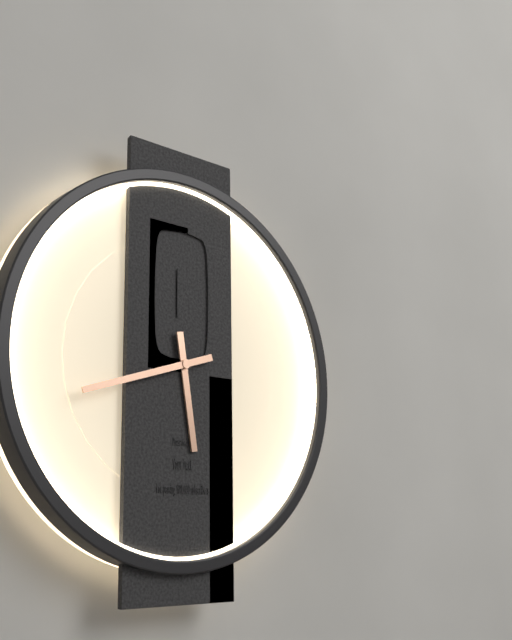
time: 5:42
